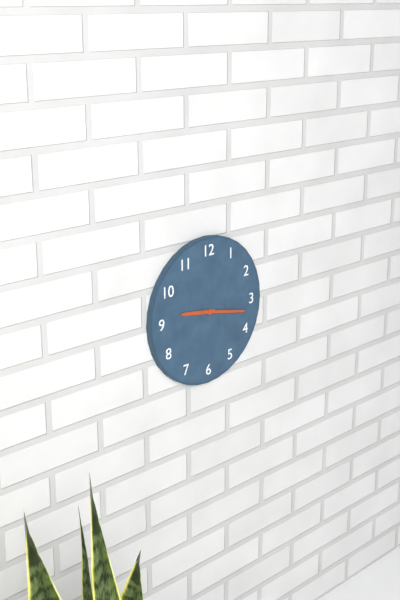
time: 9:17
